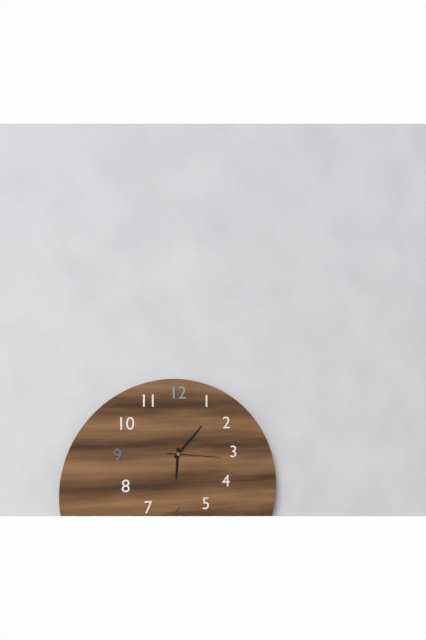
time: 6:07:16
